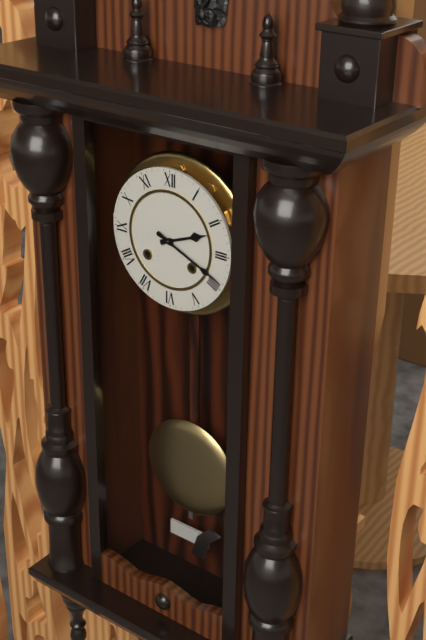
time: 2:19
